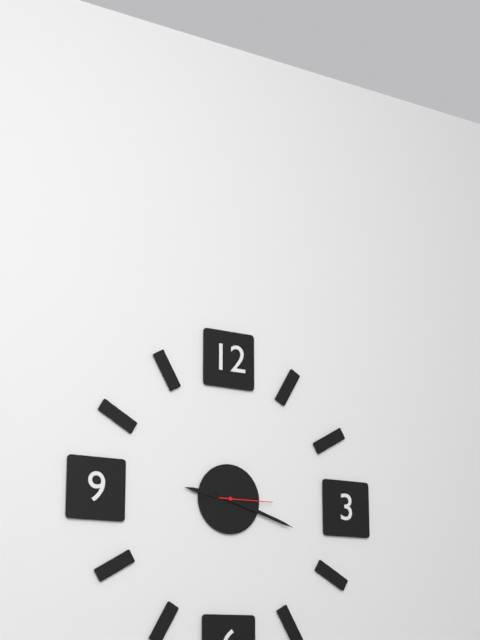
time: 9:18:15
